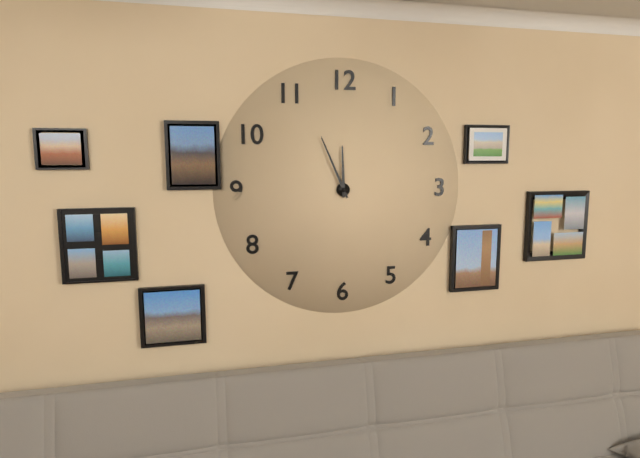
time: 11:56
